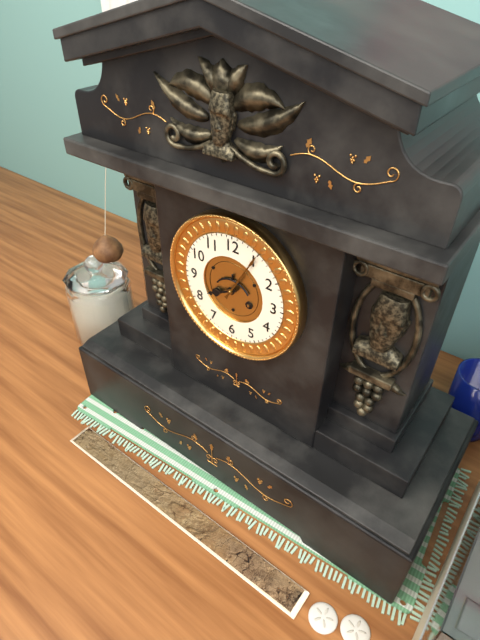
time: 8:05
